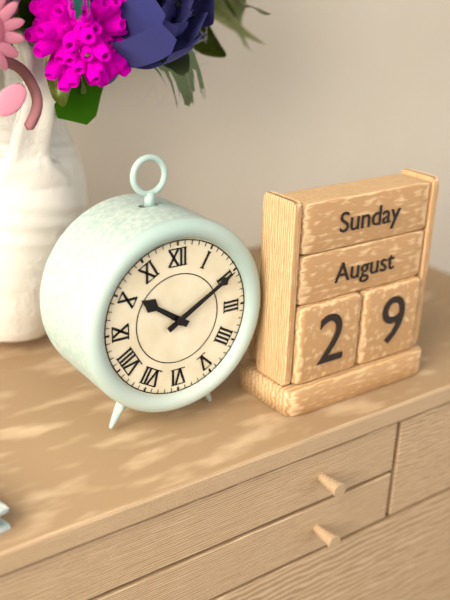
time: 10:10
